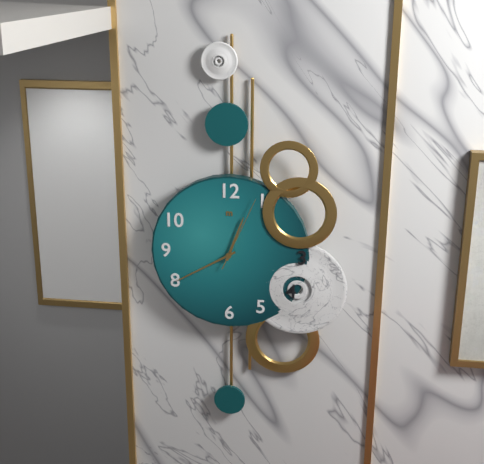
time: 12:40:04
